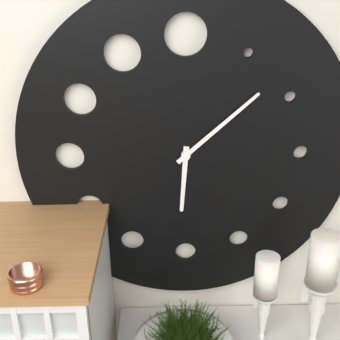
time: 6:08
